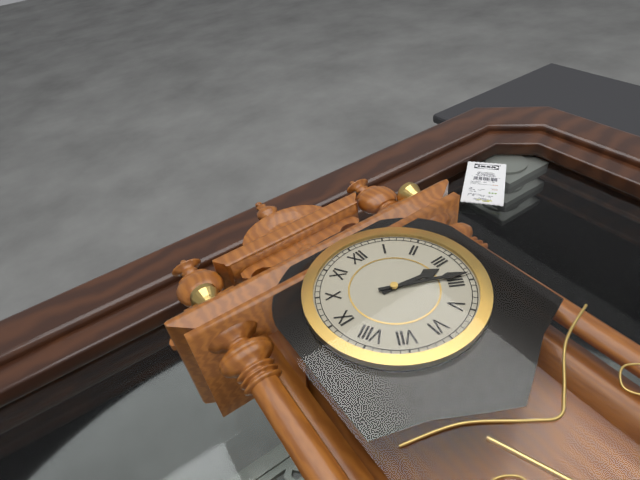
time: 3:19
